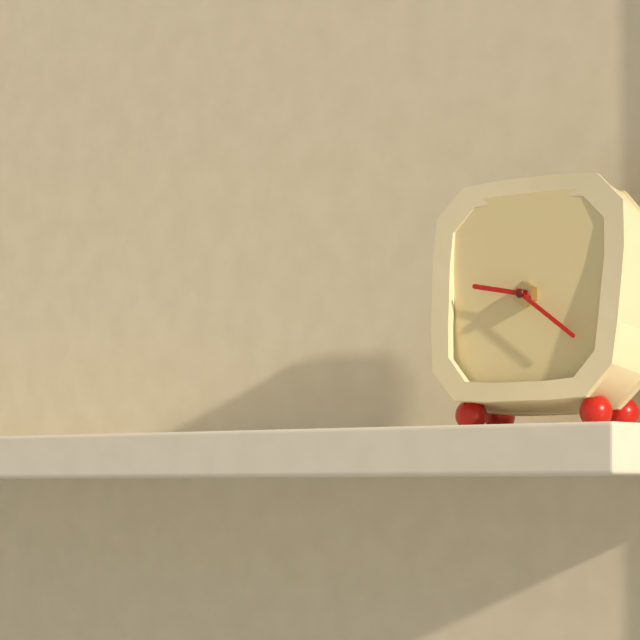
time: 9:21
